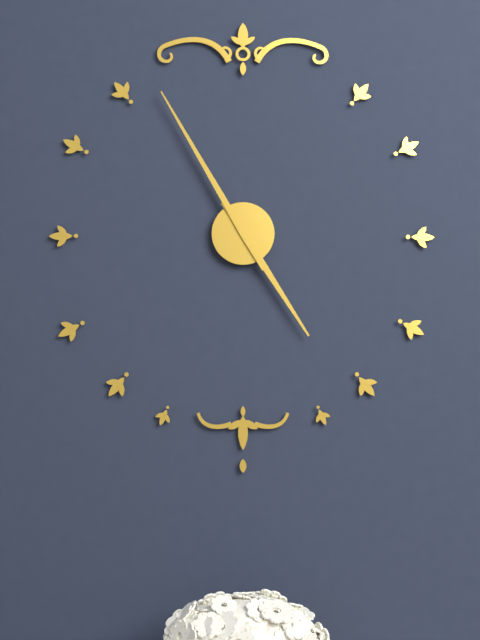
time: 4:55
